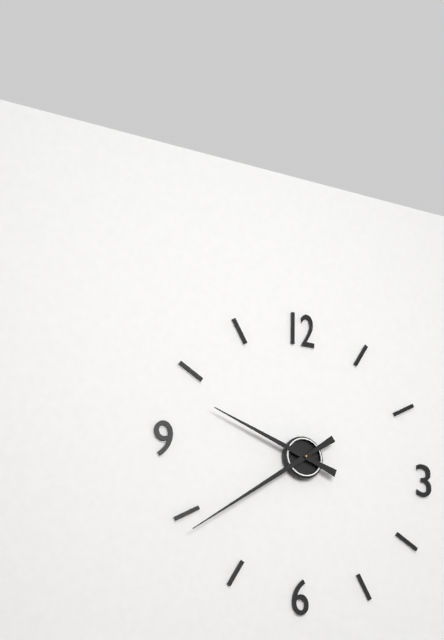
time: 9:39
